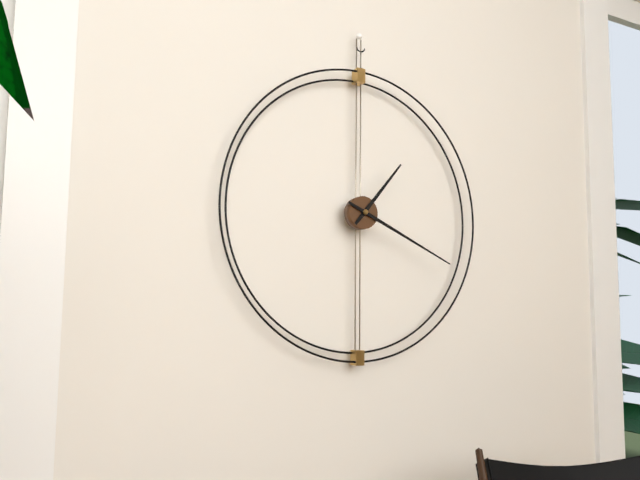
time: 1:19
